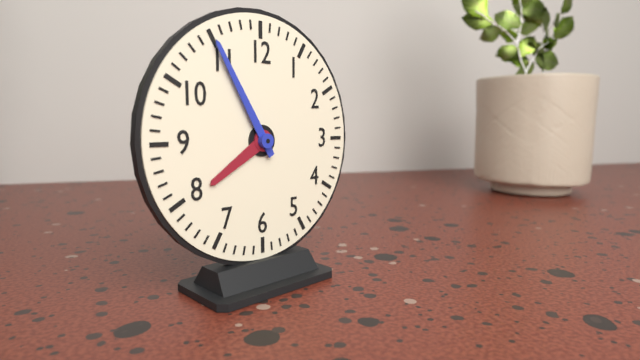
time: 7:55
